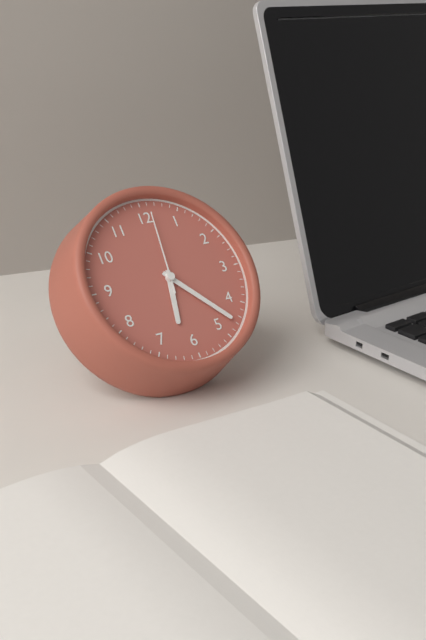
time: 6:23:01
